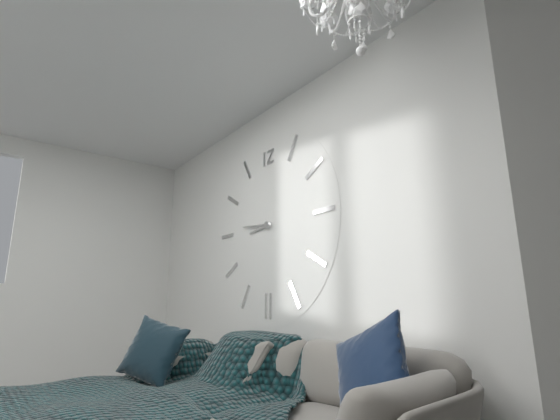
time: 8:46
